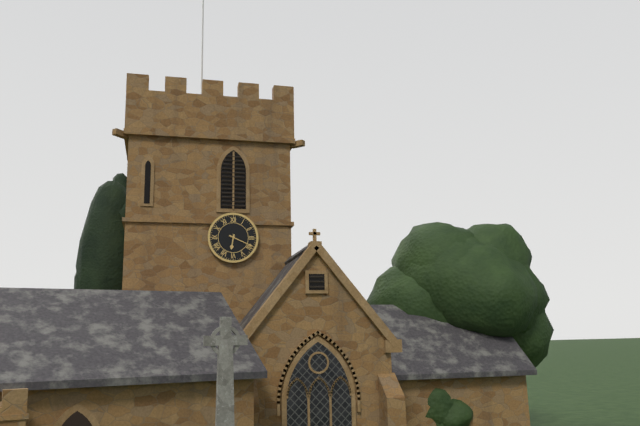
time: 6:19
